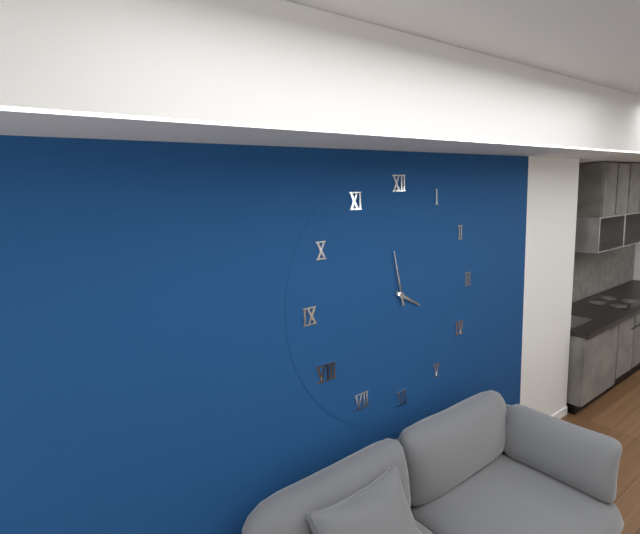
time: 3:58
